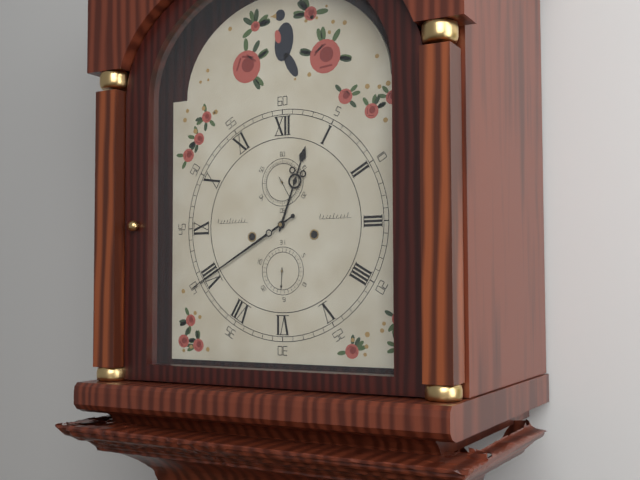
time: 12:40
